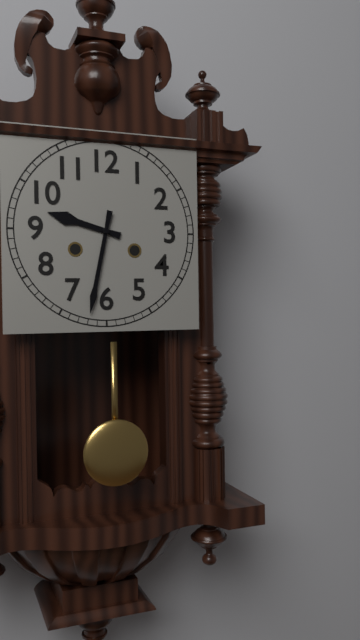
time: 9:32
